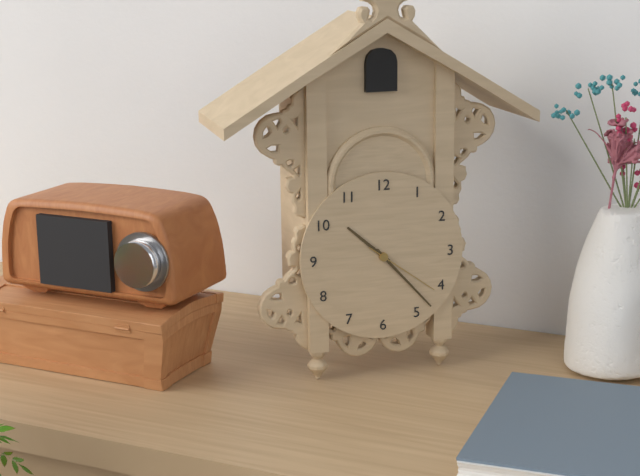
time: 10:23:21
